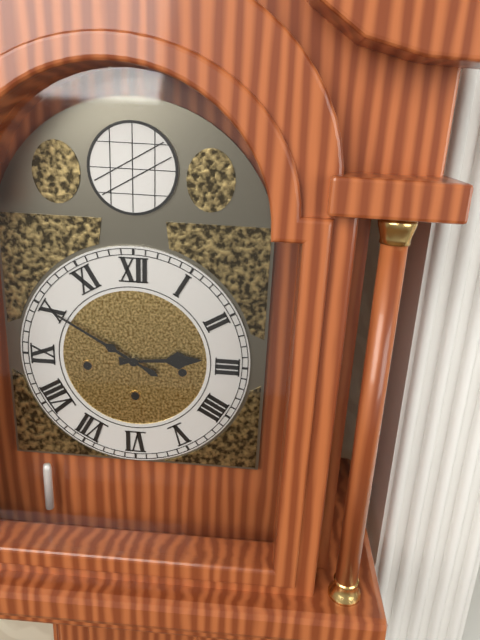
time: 2:50
